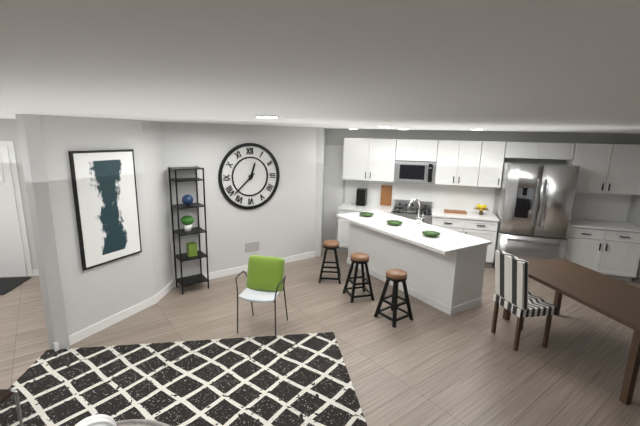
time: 12:38
